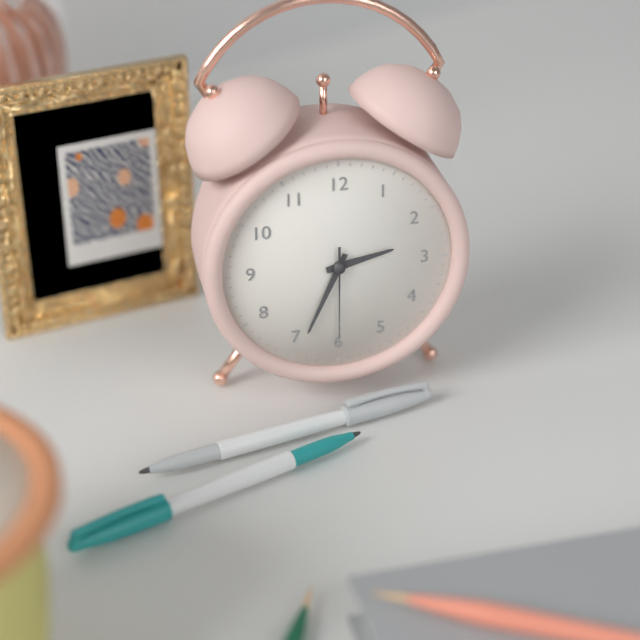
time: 2:34:30
